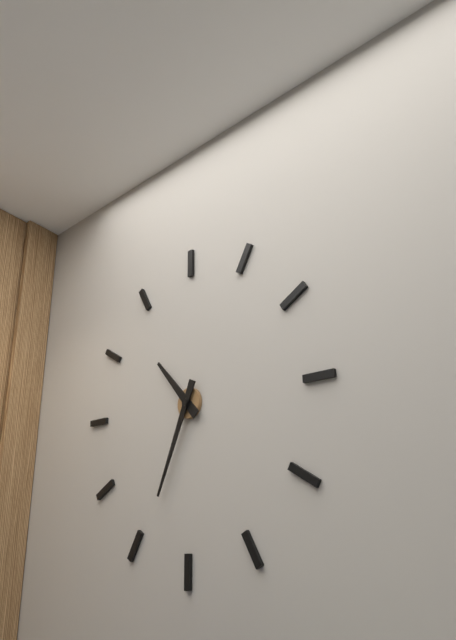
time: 10:34
